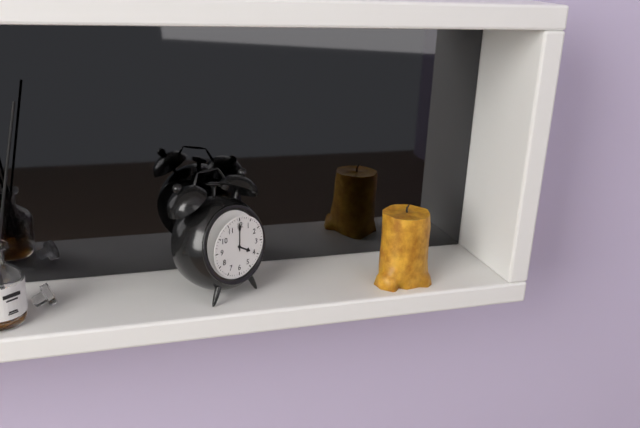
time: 4:00
